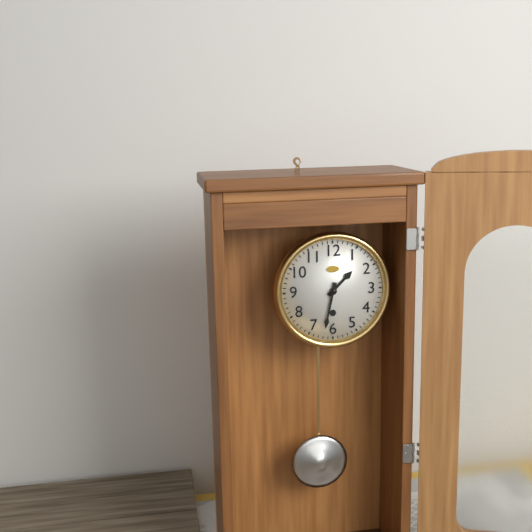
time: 1:32
